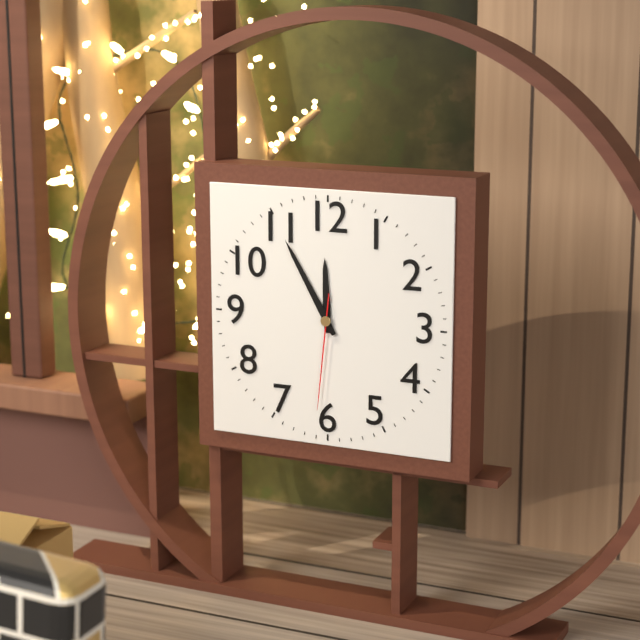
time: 11:55:31
